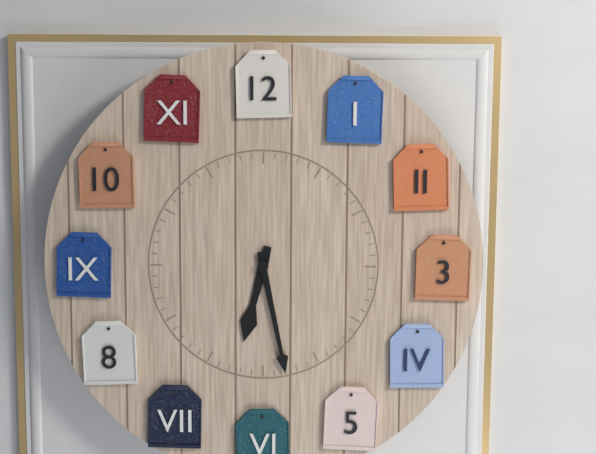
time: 6:28
